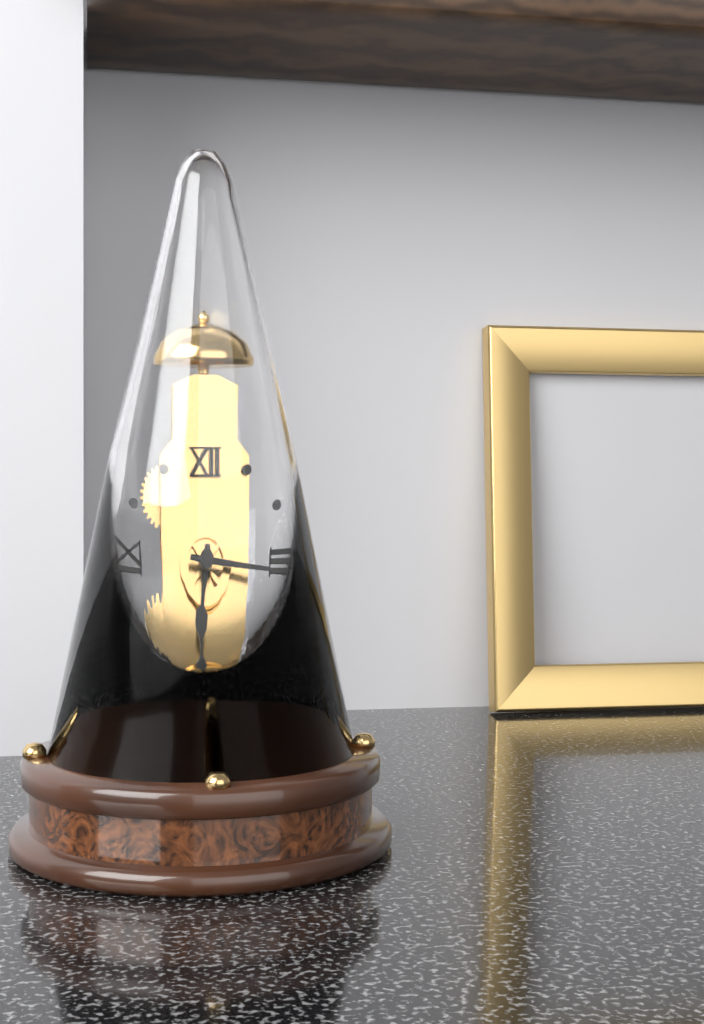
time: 6:16
